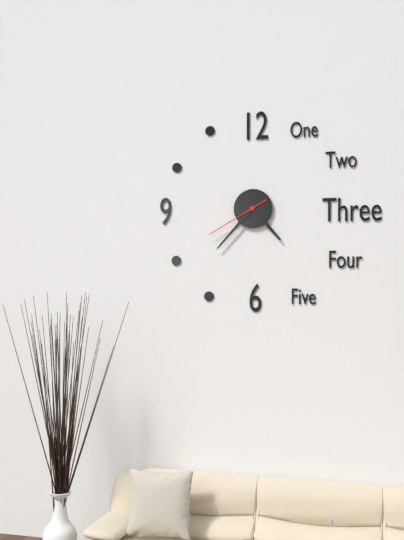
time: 4:37:40
